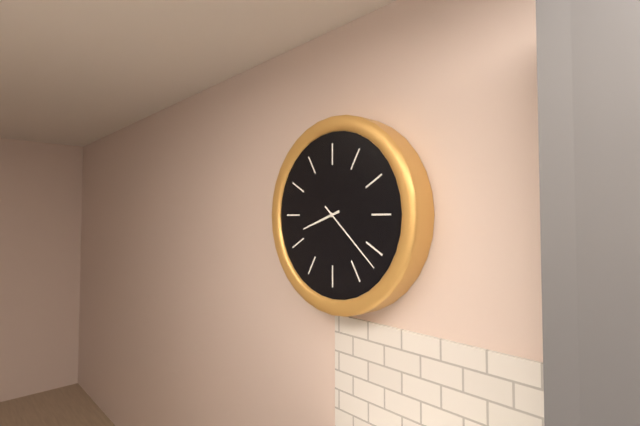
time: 8:22
